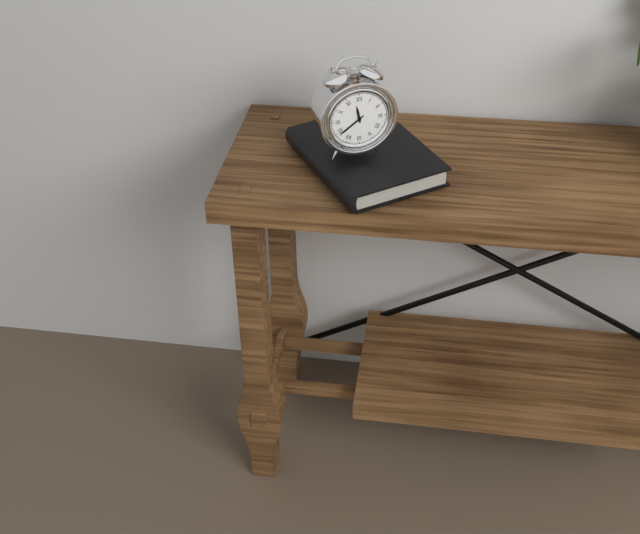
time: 11:39
